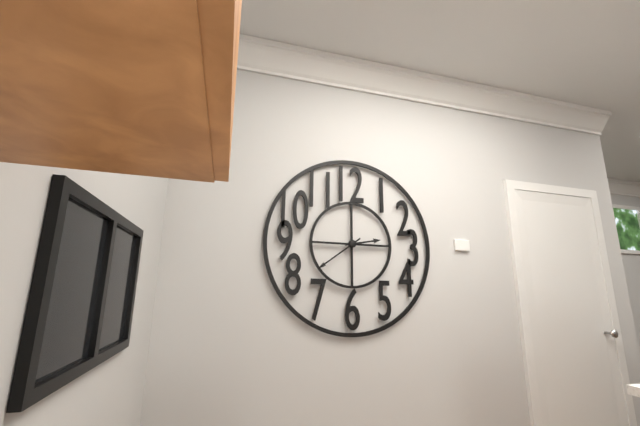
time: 2:39
